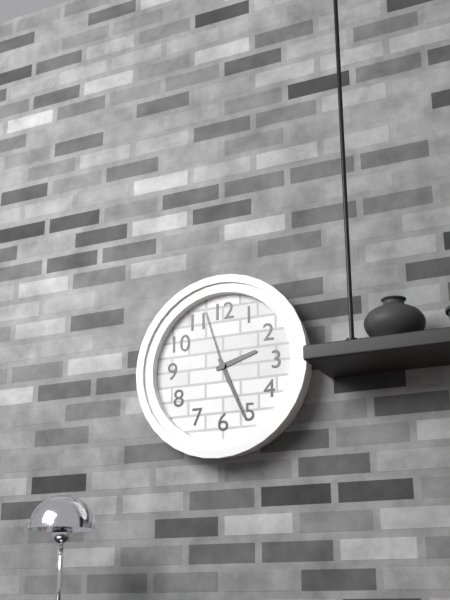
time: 2:26:57
